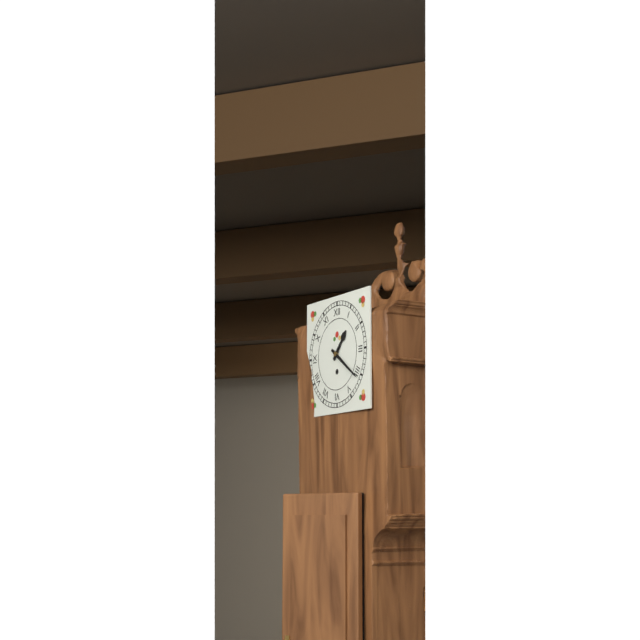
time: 1:21
